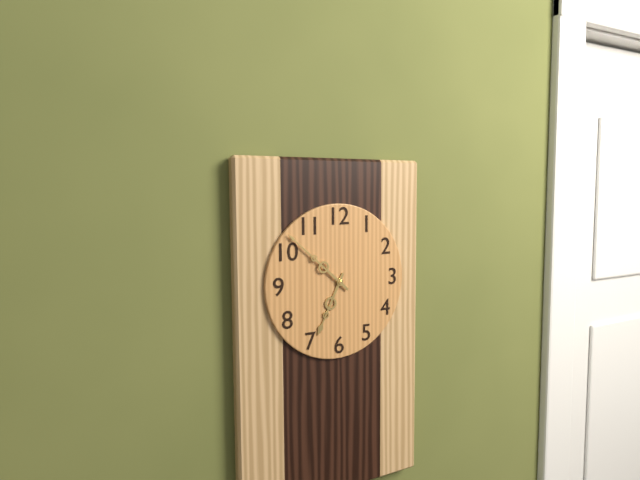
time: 6:52
